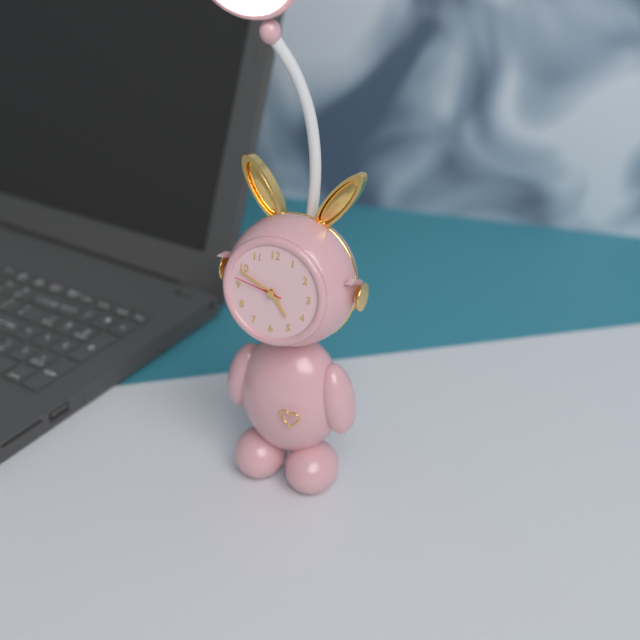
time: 4:49:47
